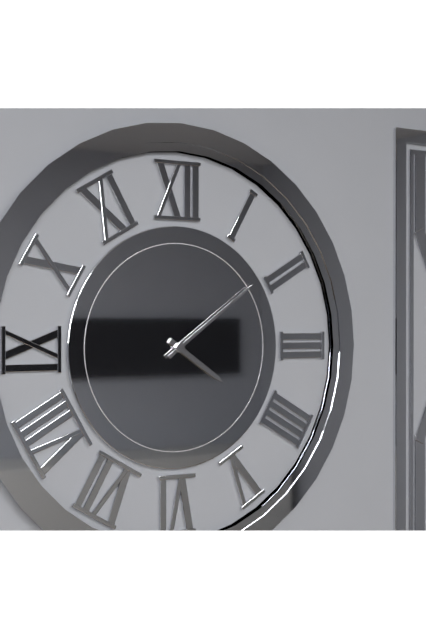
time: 4:09
